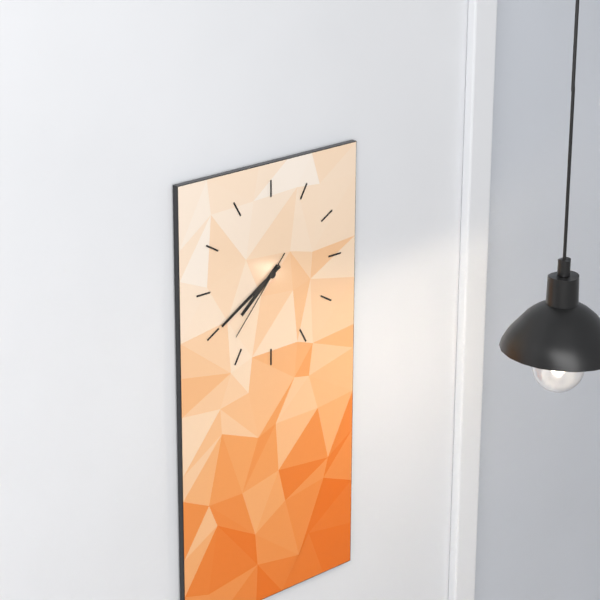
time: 7:40:37
